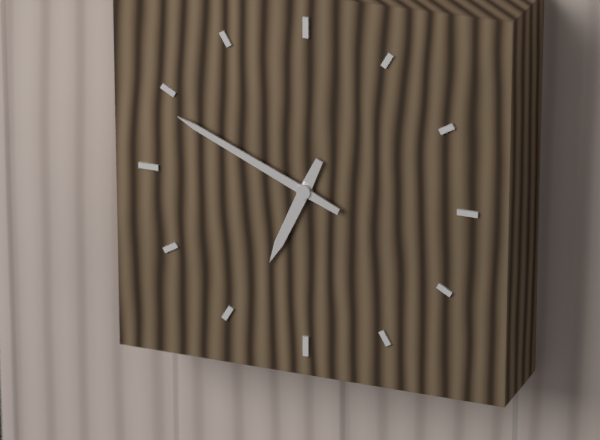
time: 6:49
